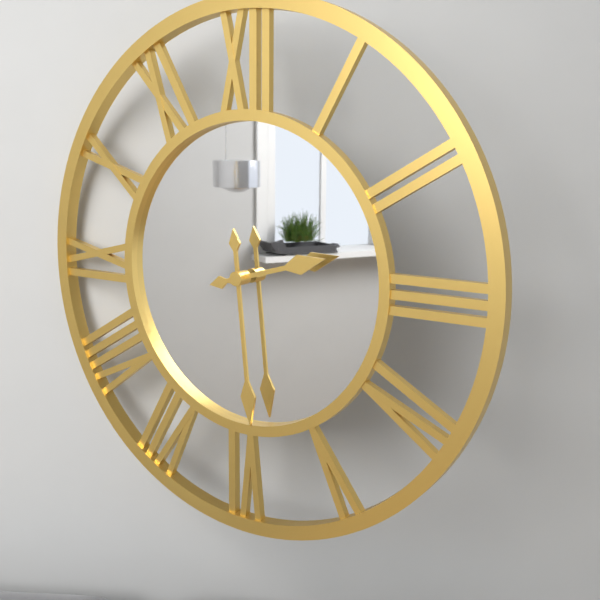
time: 2:29
